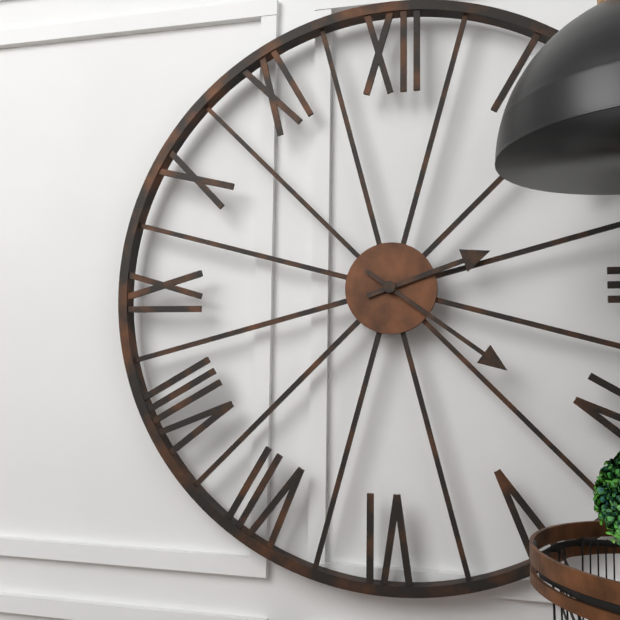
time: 2:21
